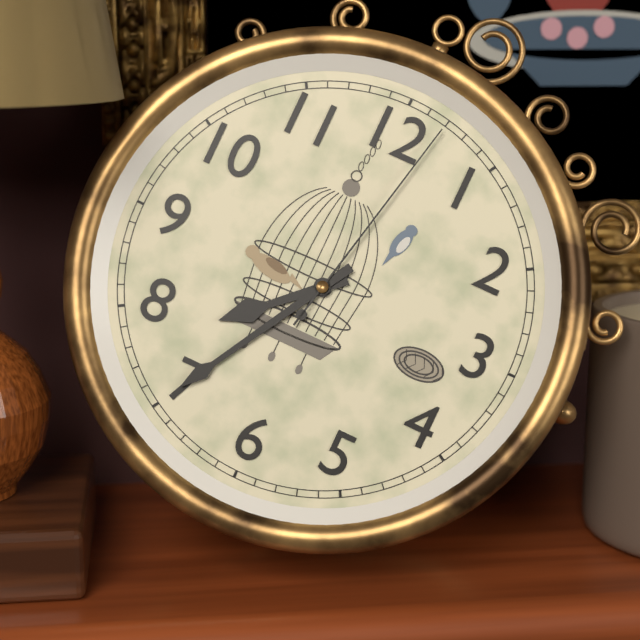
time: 7:35:02
